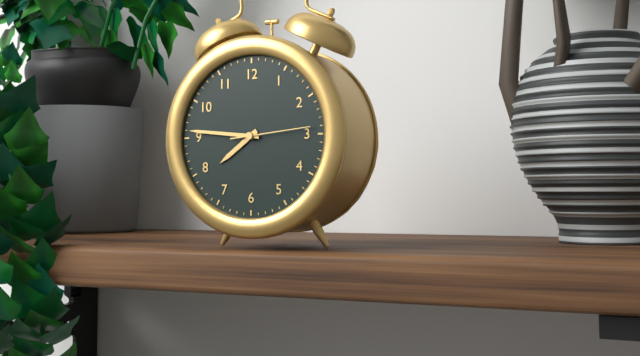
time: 7:46:14
